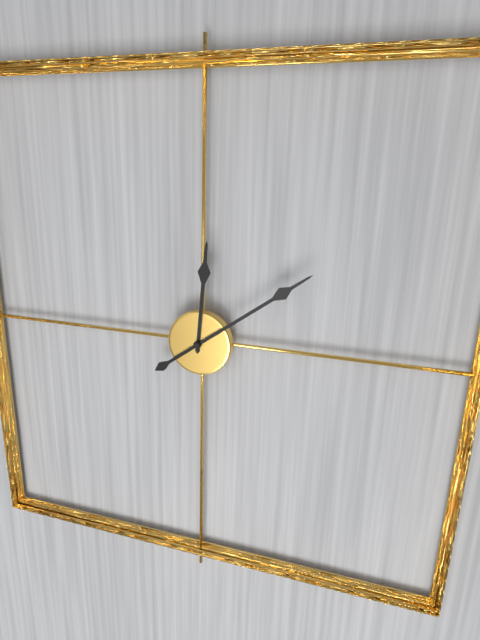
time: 12:09
